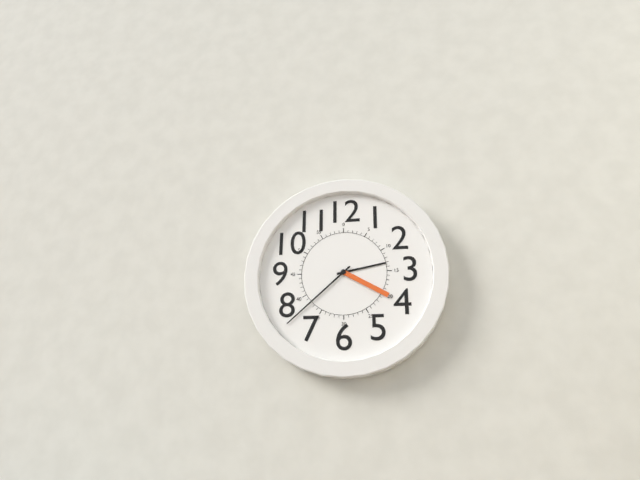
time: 2:38:20
